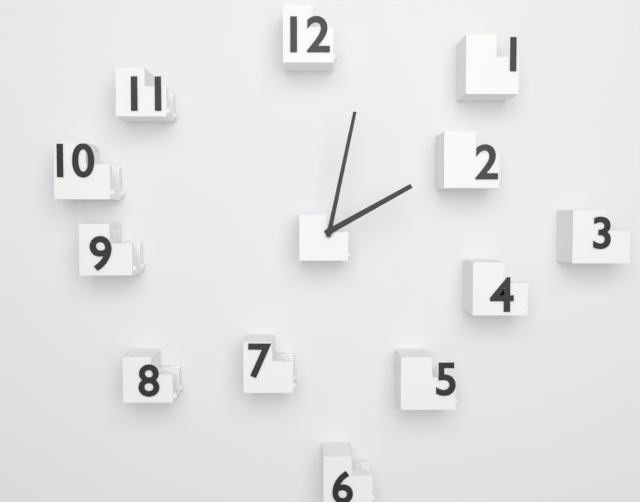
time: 2:02
